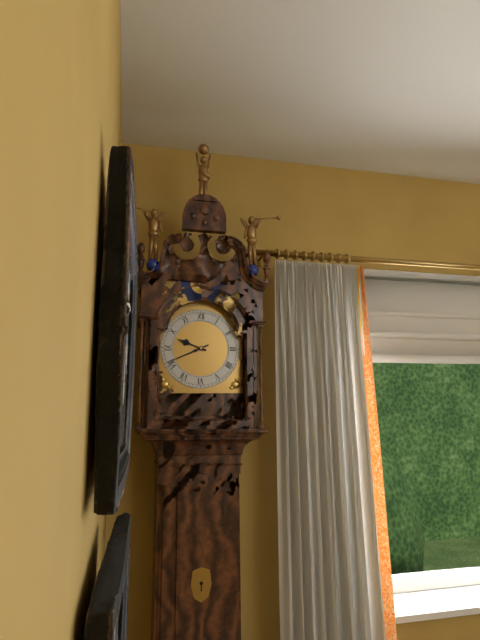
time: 9:41
